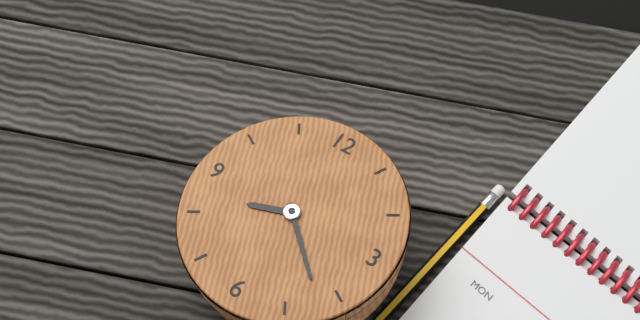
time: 8:22
